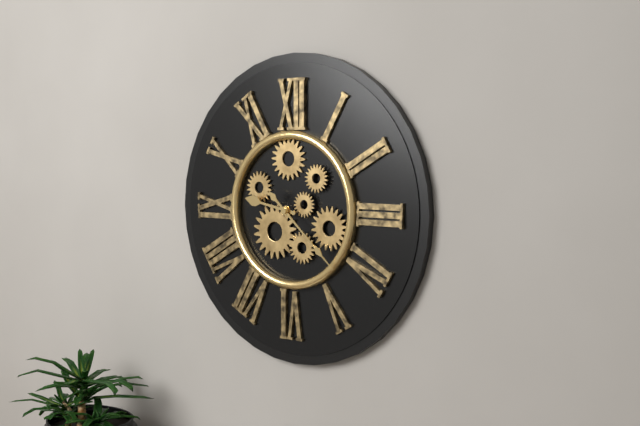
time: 9:22
